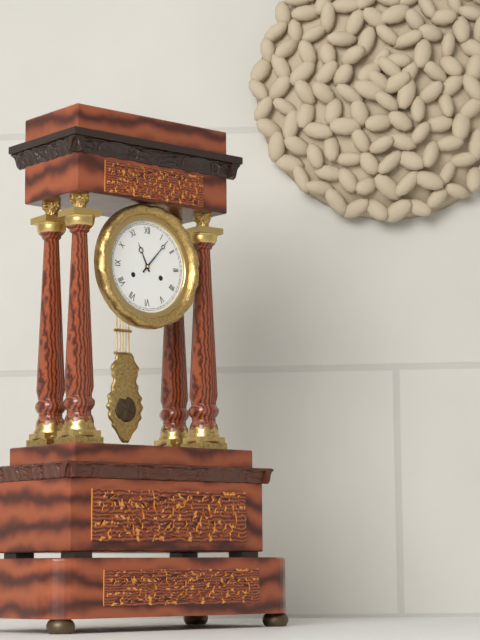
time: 11:07
